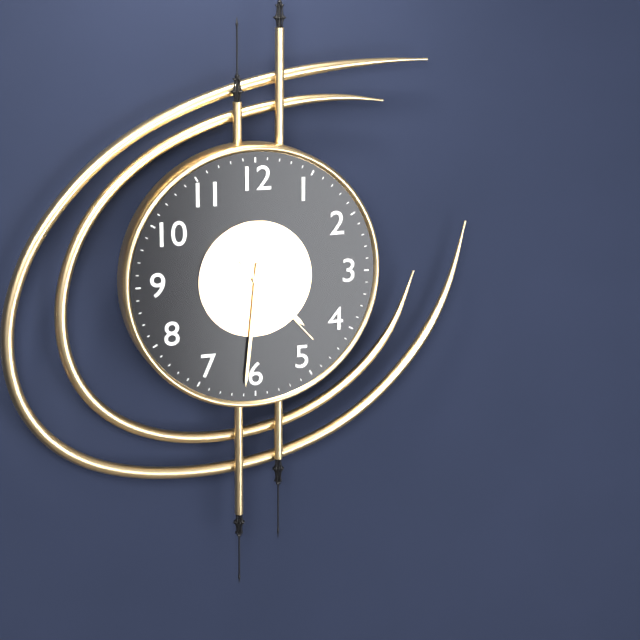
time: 4:31:23
